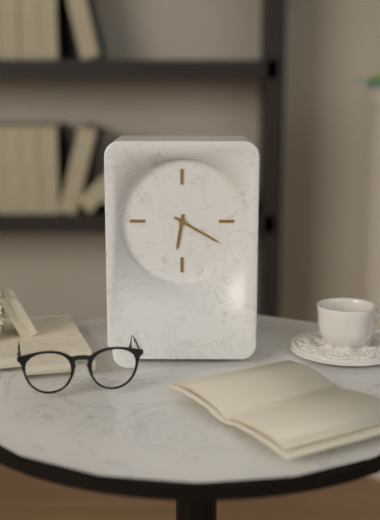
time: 6:20
